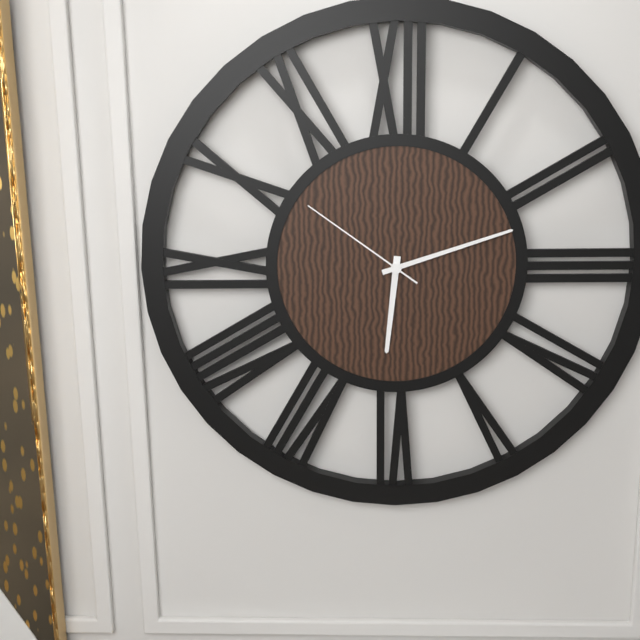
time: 6:12:51
